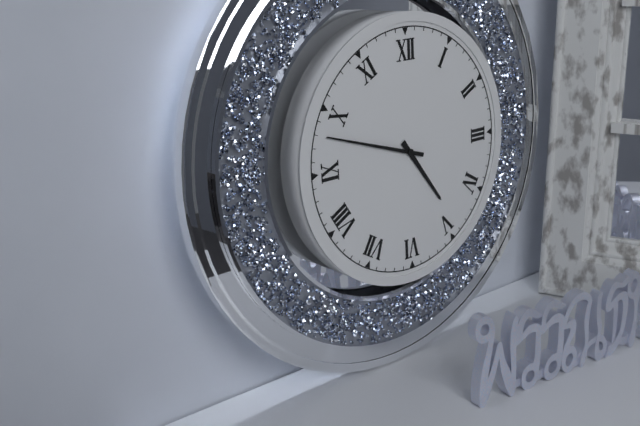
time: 4:48
